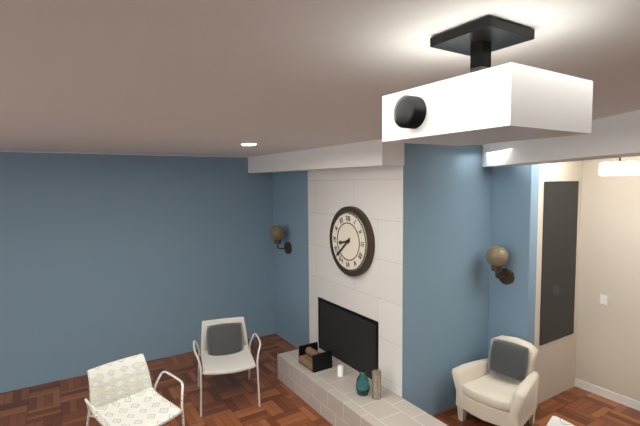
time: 8:38
